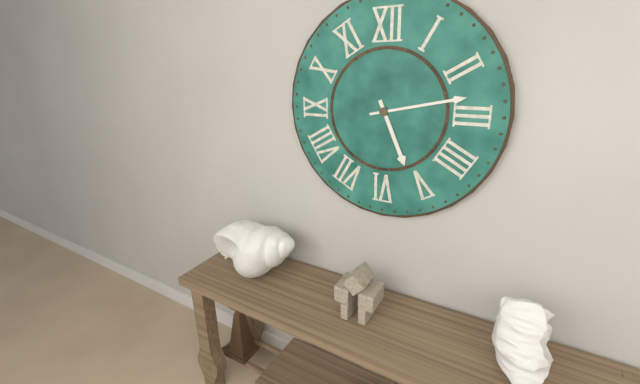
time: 5:13
